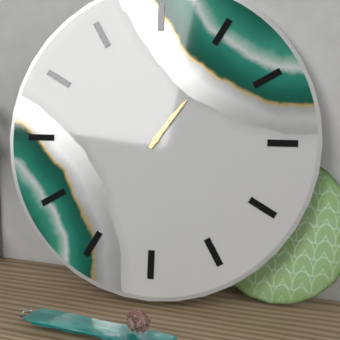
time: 1:06
